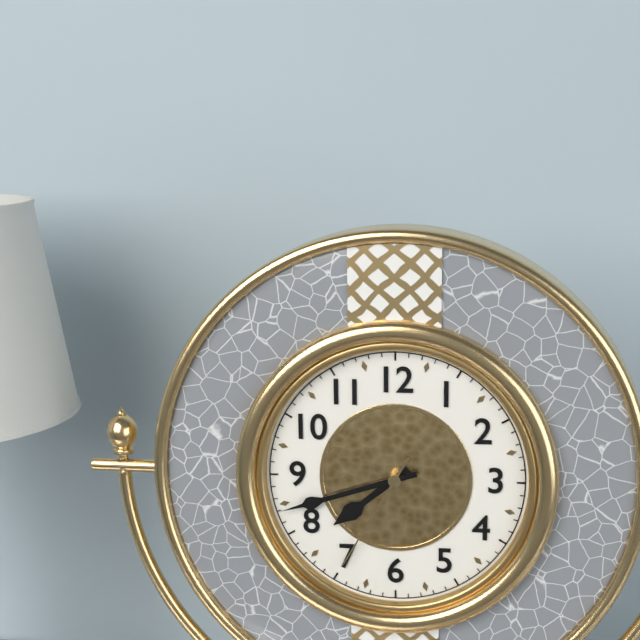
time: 7:42:35
